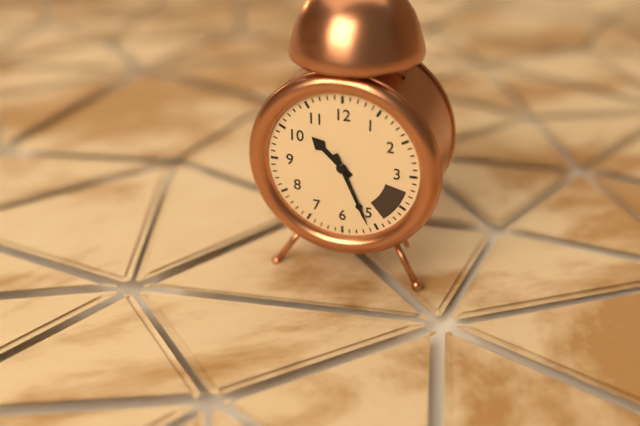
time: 10:26
